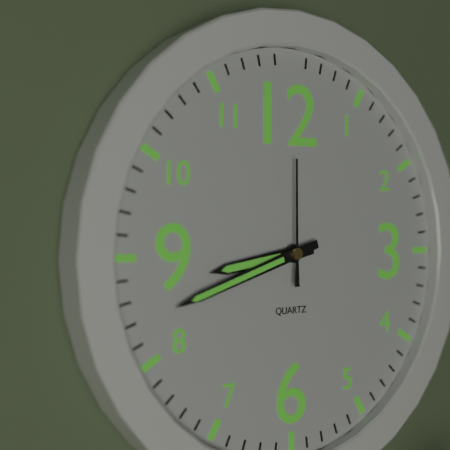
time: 8:42:00
